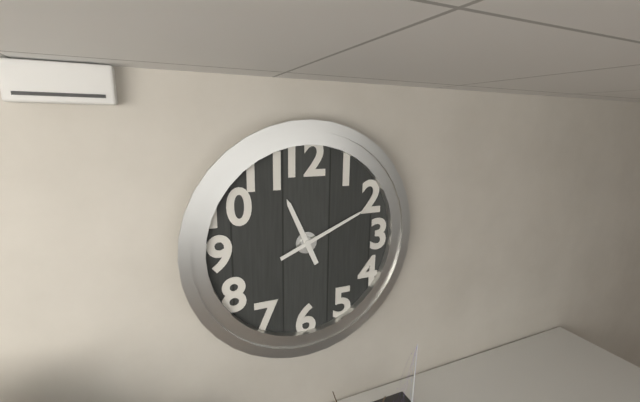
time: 11:11
